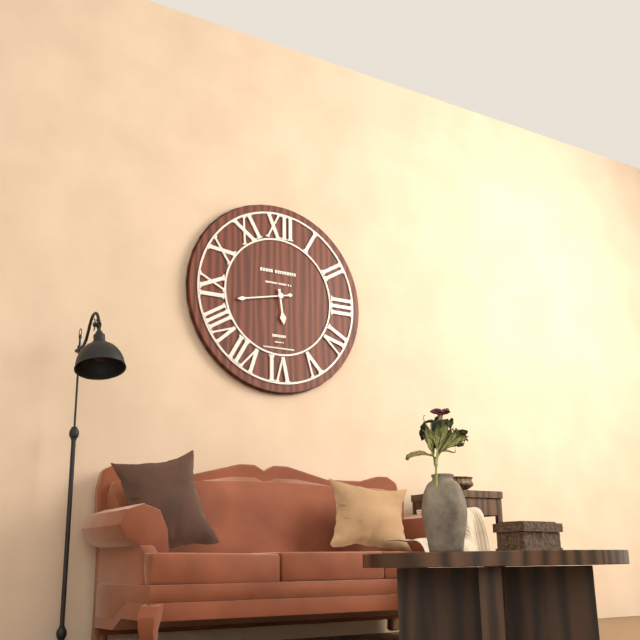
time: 5:43
